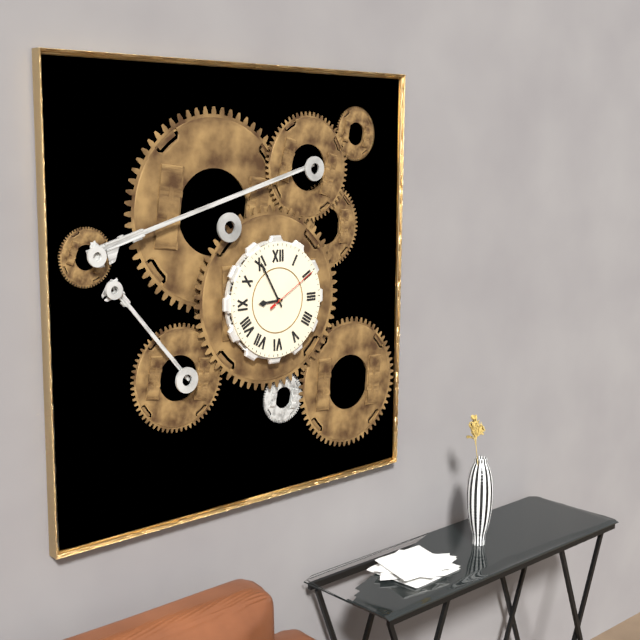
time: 8:55:10
